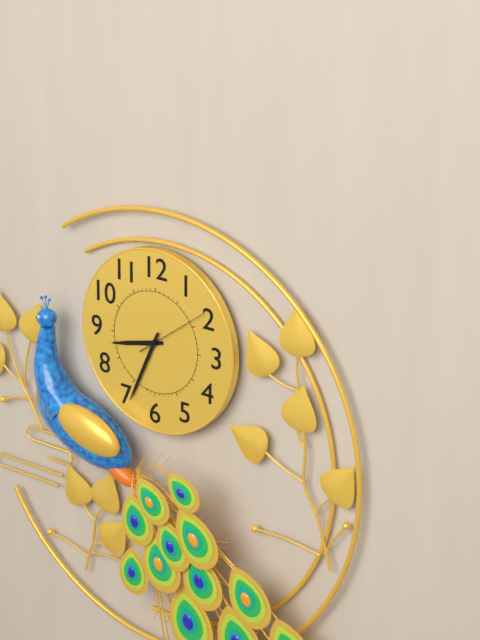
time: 8:34:09
